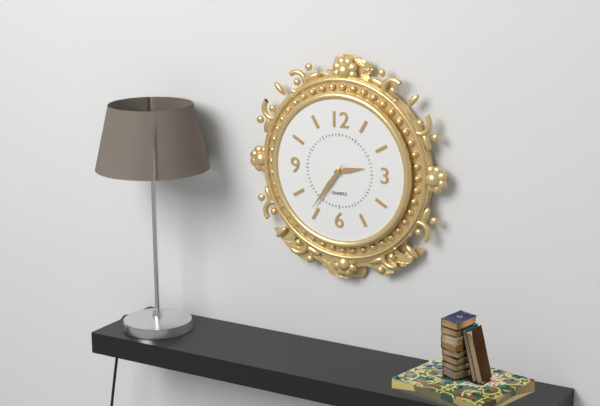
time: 2:36
